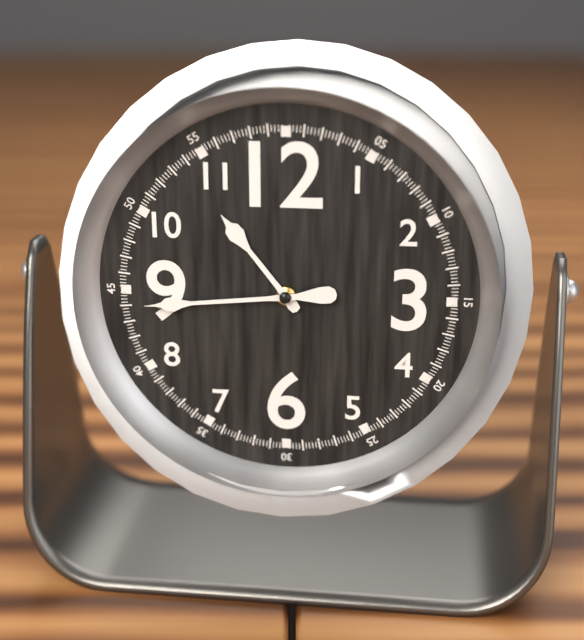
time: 10:44
